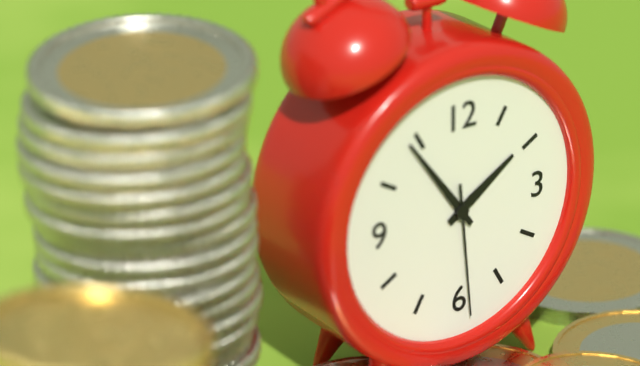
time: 1:54:29
